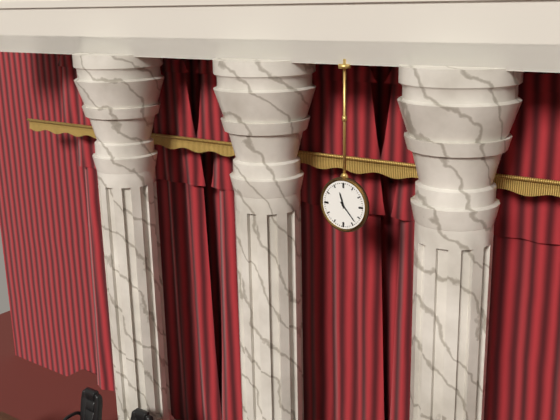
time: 11:23
